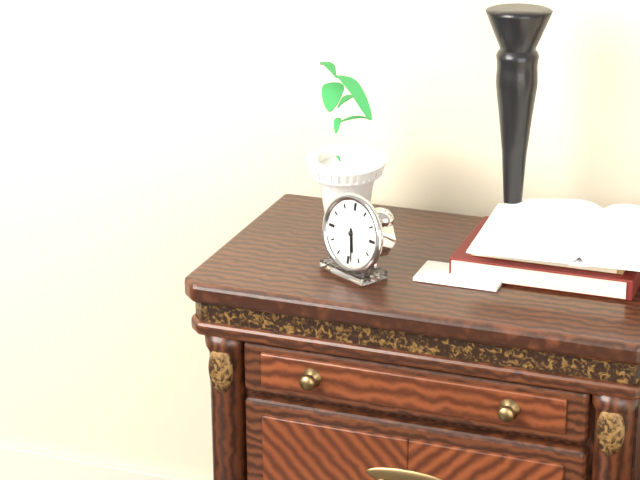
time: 5:28
